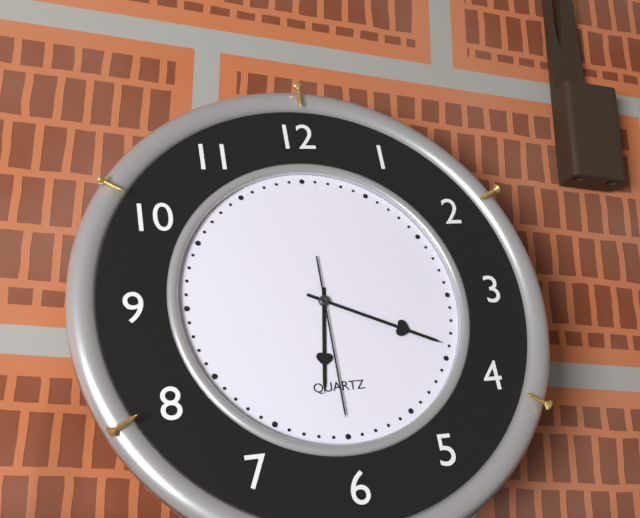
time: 6:19:30
